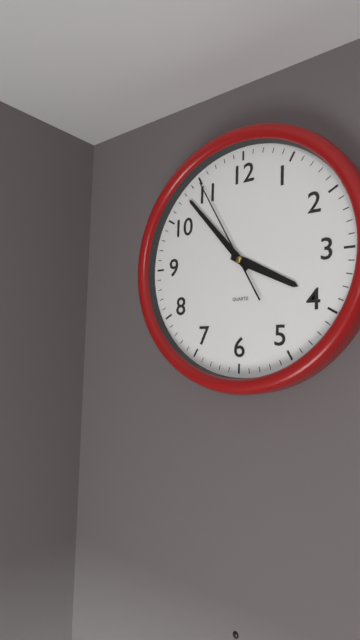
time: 3:53:55
